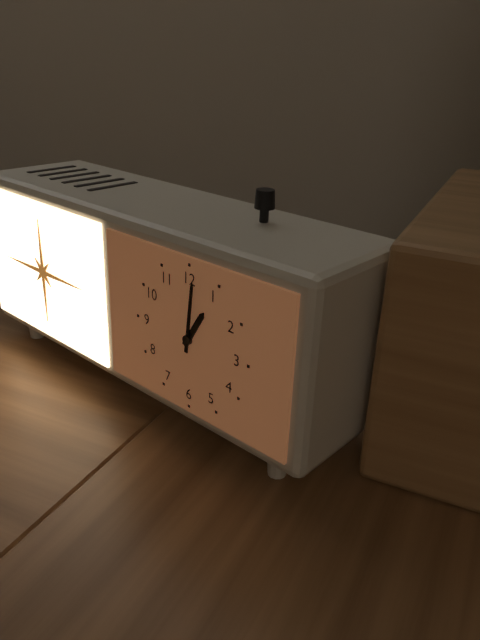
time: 1:01
